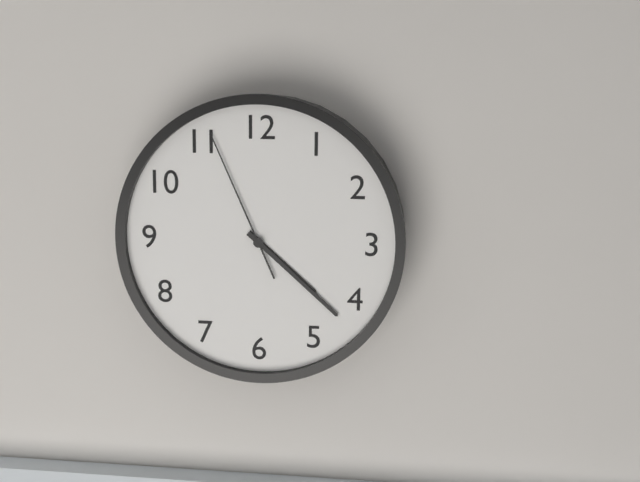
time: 4:22:56
